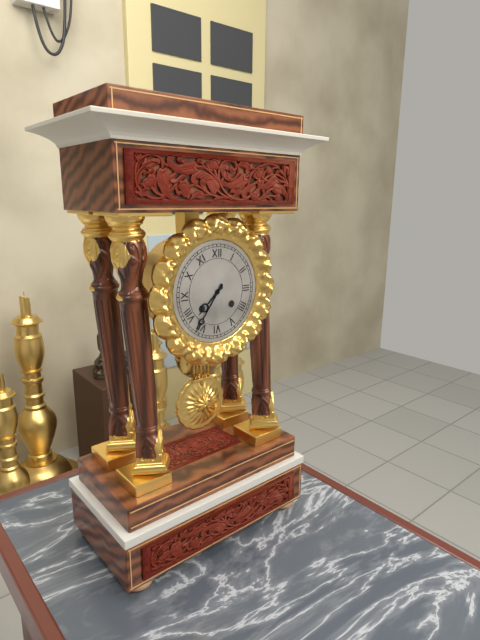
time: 7:36
